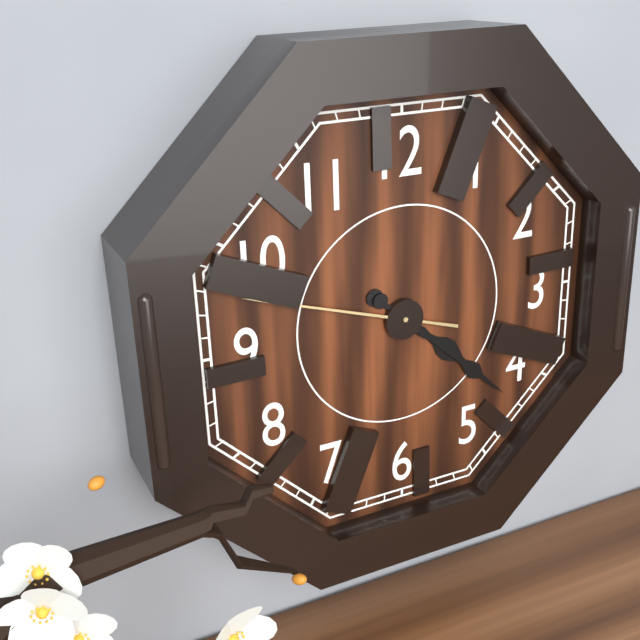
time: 4:22:48
